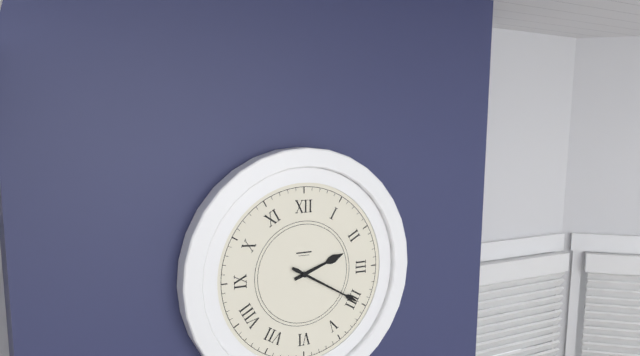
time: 2:20
